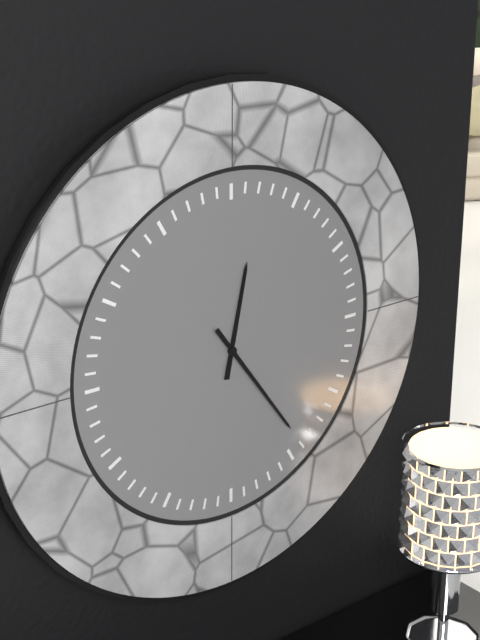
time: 12:24
